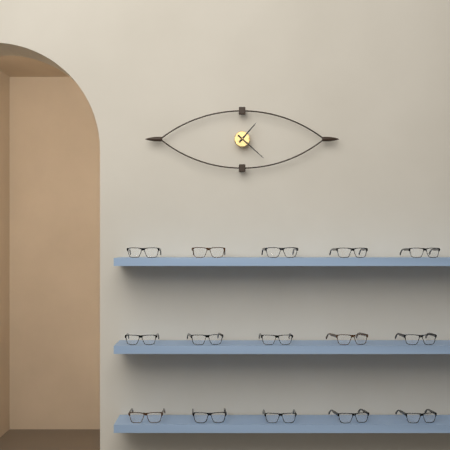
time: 1:22
